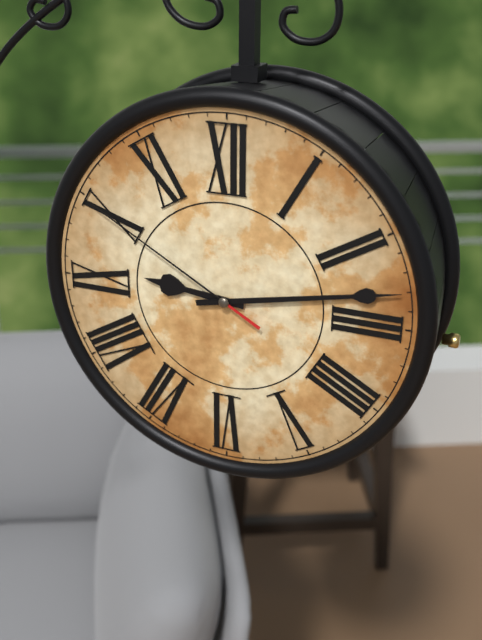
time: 9:13:50
